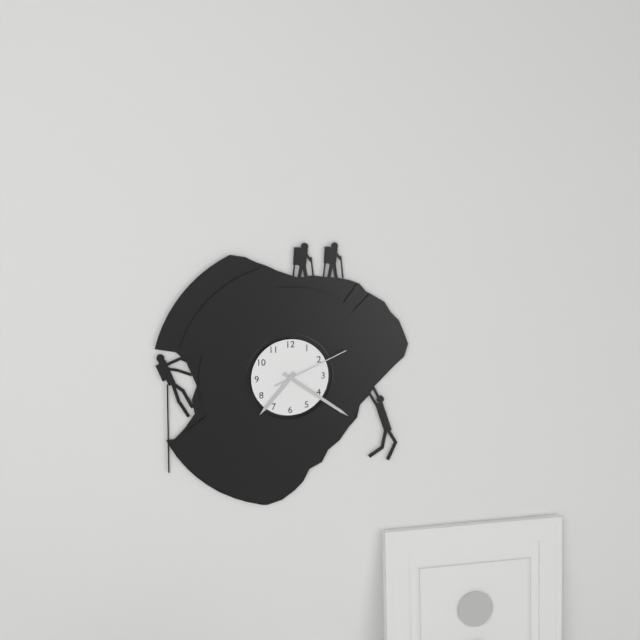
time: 7:21:11
